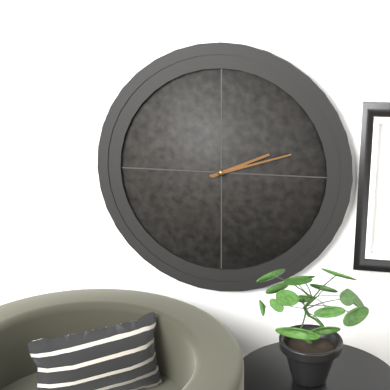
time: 2:12
